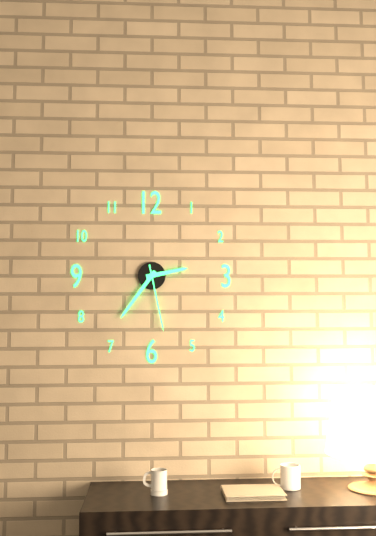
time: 2:36:28
